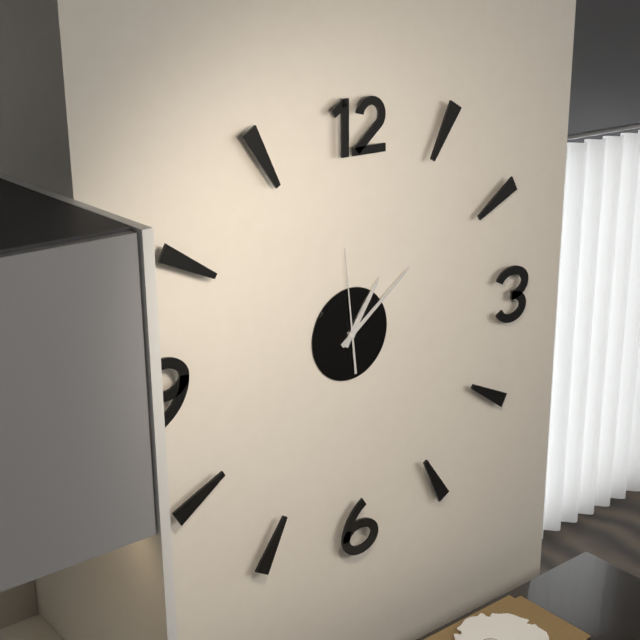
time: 1:09:59
